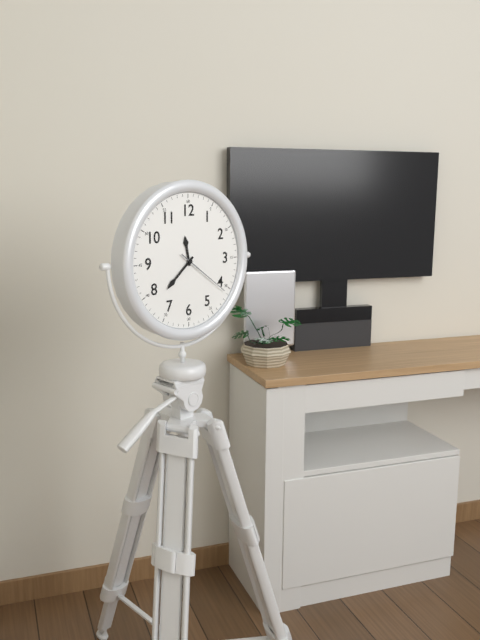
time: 11:38:21
